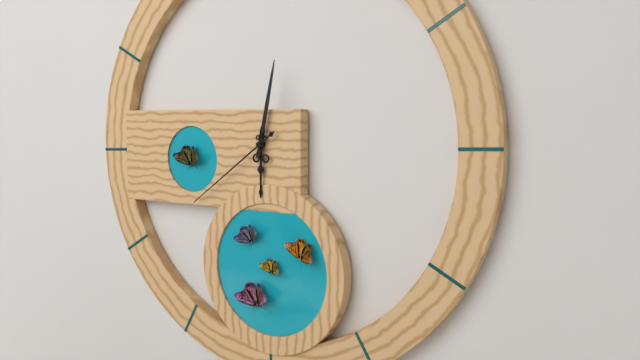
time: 6:02:39
